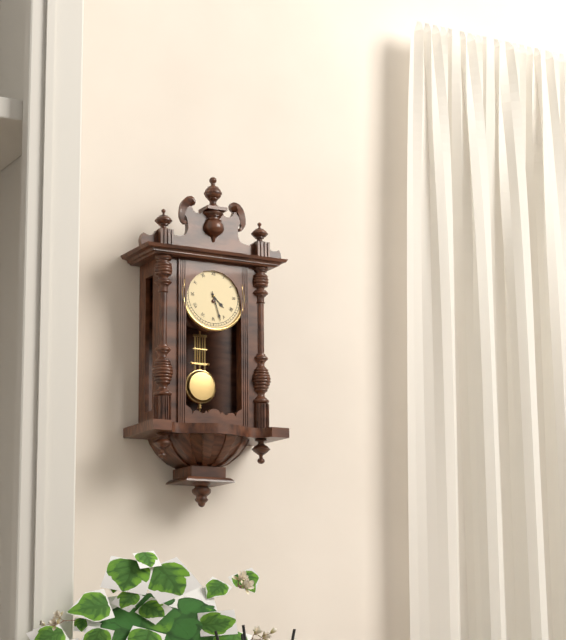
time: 4:27
